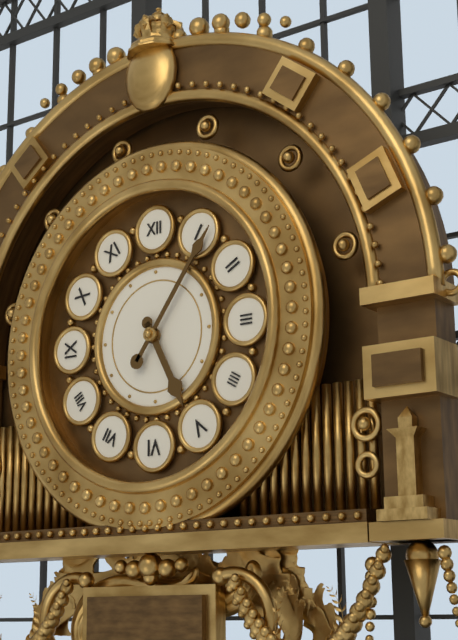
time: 5:06
